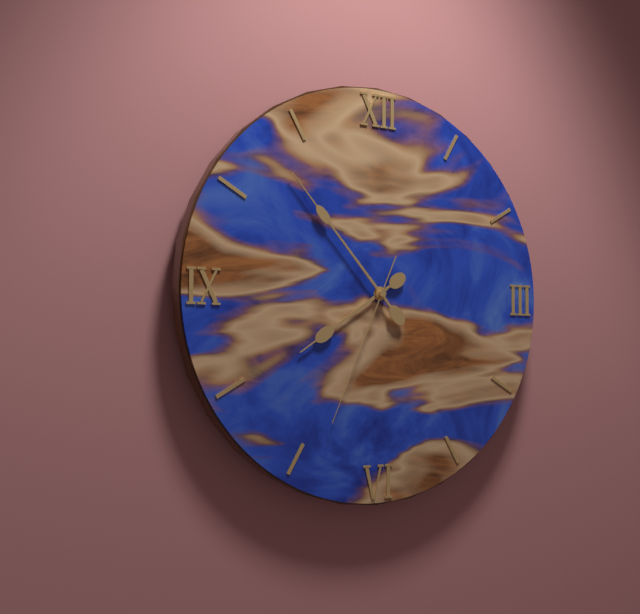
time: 7:53:34
